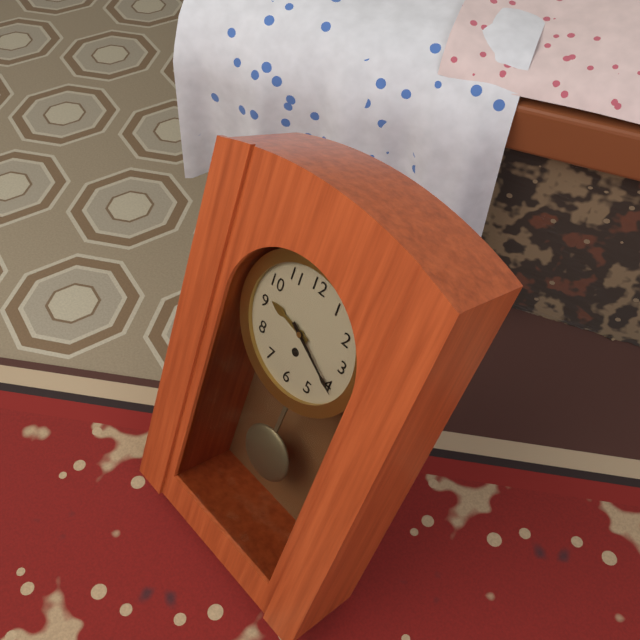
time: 9:20
